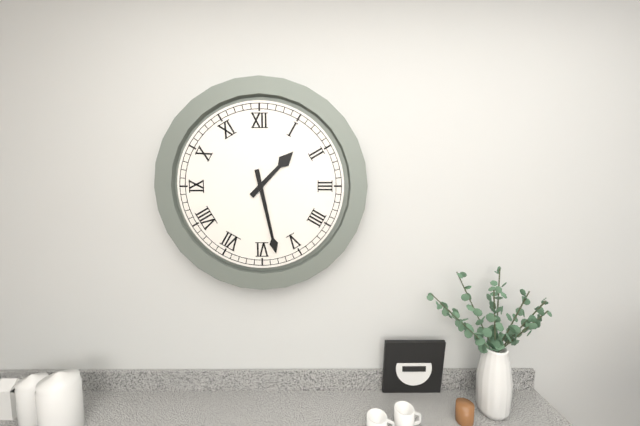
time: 1:28
